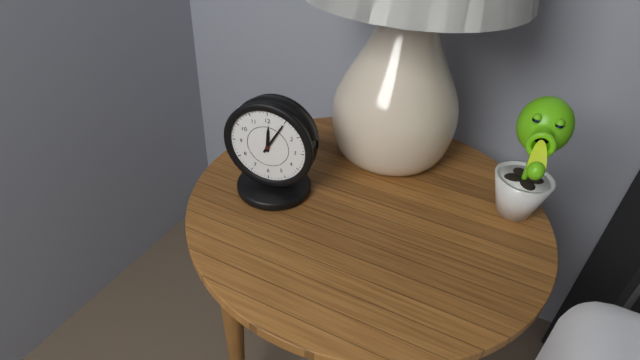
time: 12:05
